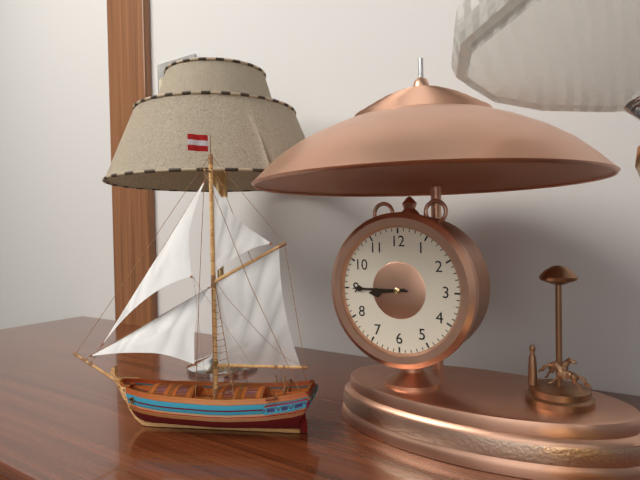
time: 8:45
